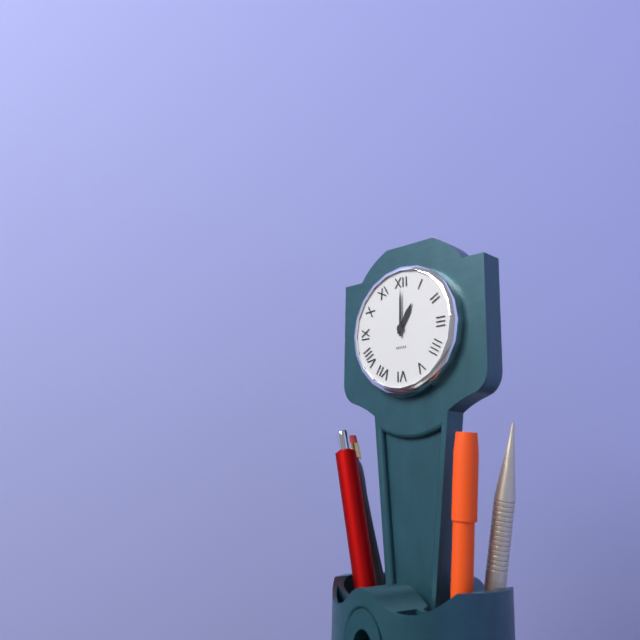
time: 1:00
